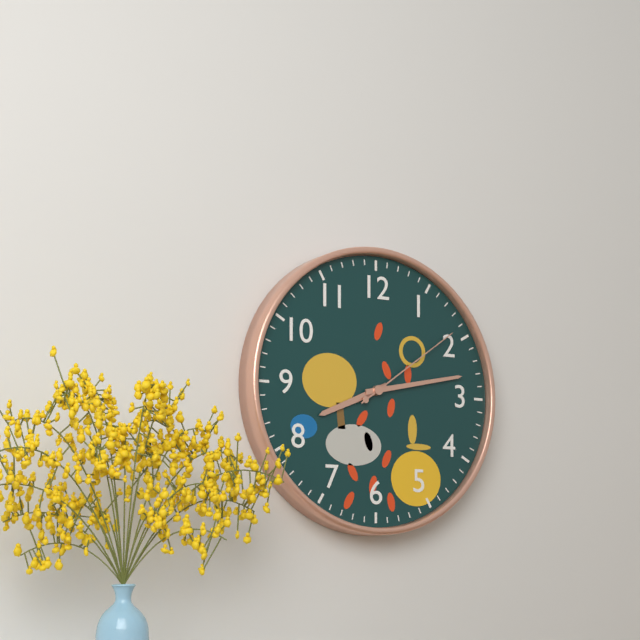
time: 8:13:09
